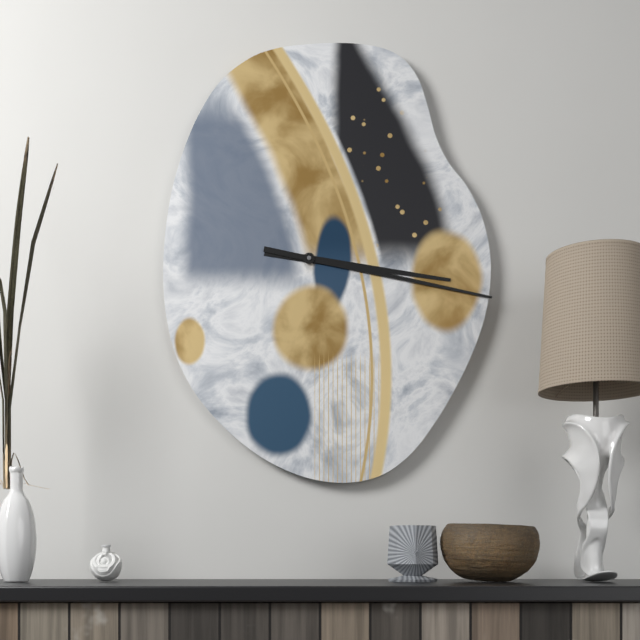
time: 3:17
